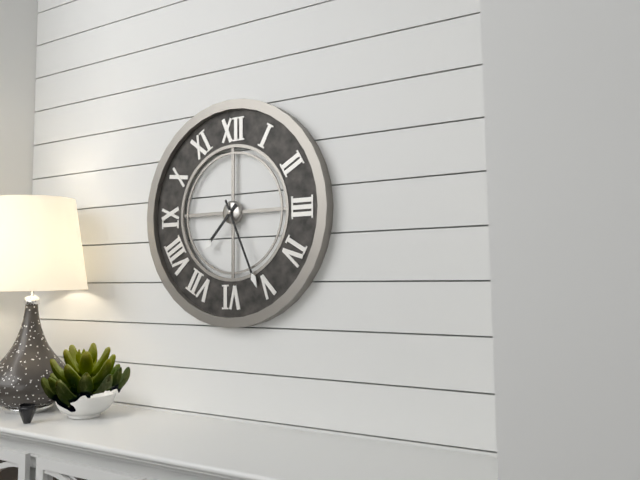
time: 7:26
